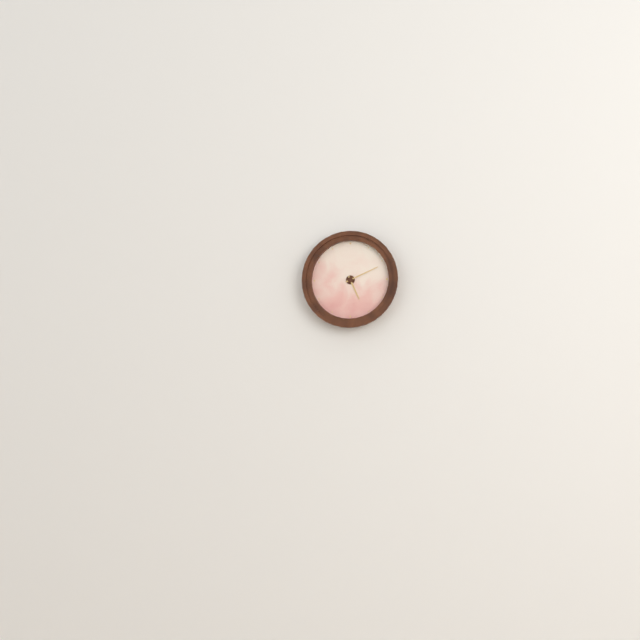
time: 5:11
